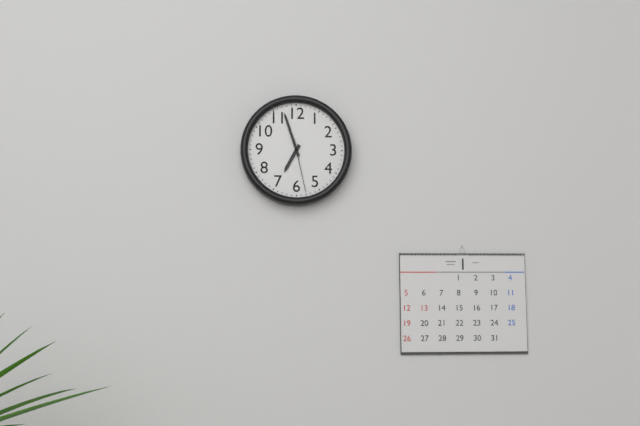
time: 6:57:28
